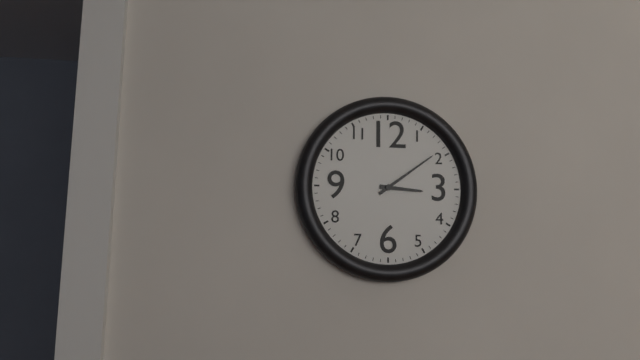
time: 3:09
